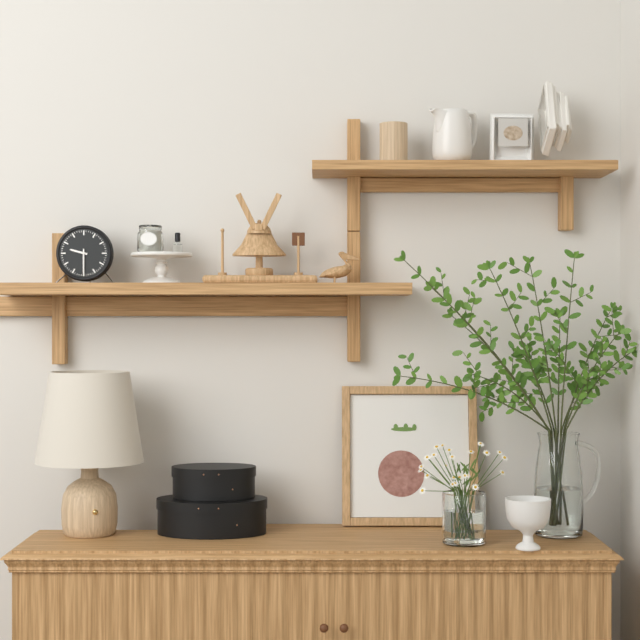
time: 9:30
